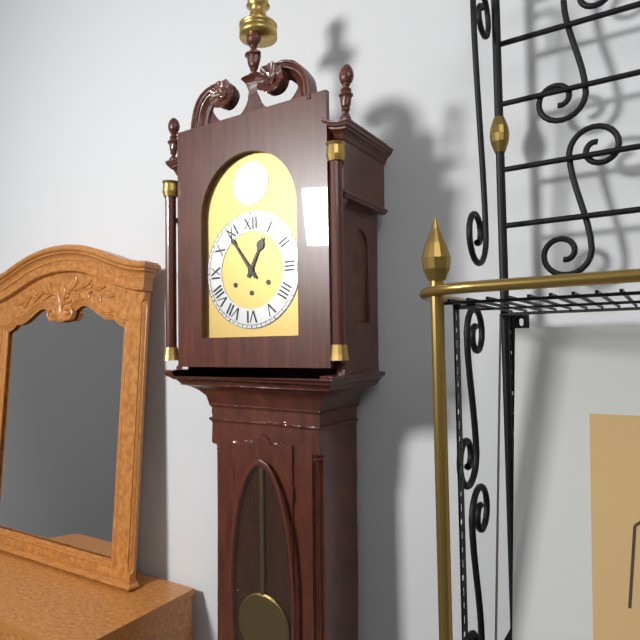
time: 12:54
